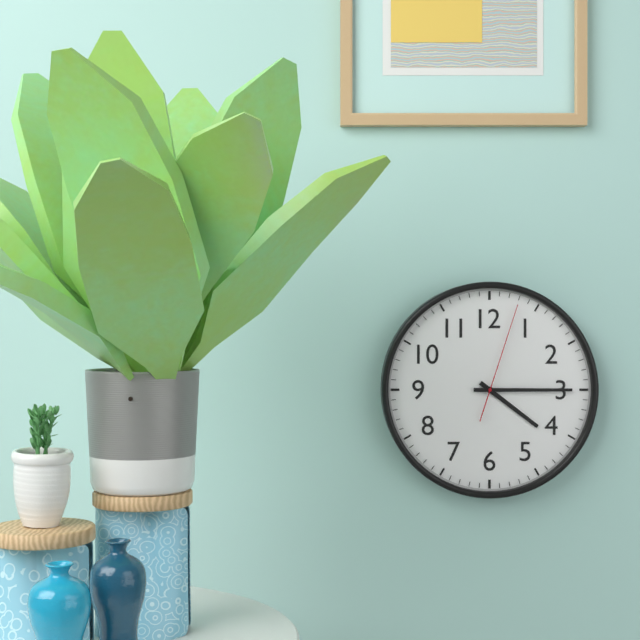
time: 4:15:03
